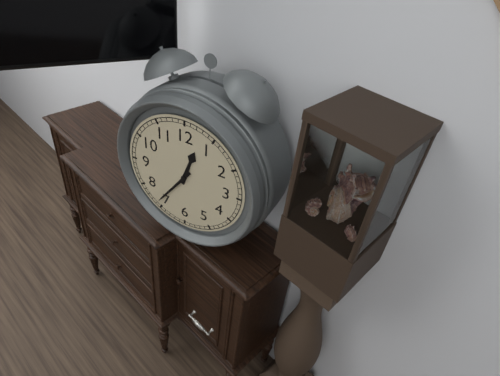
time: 12:36
